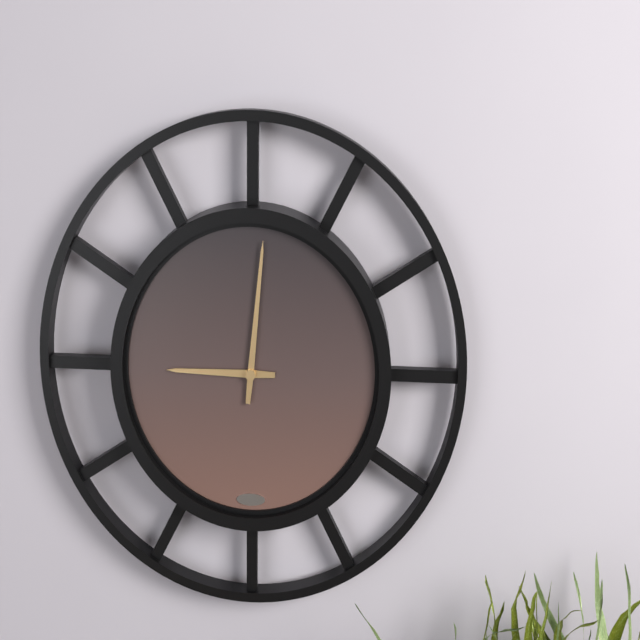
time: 9:01
